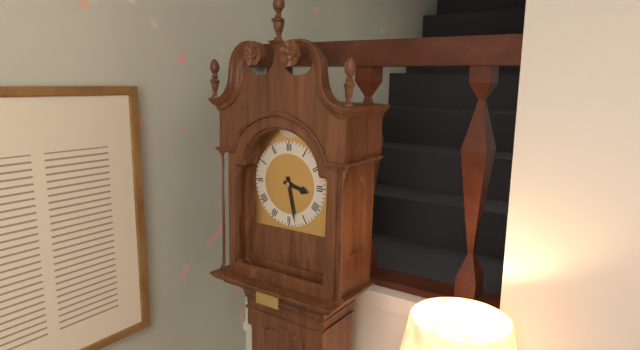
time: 3:28
